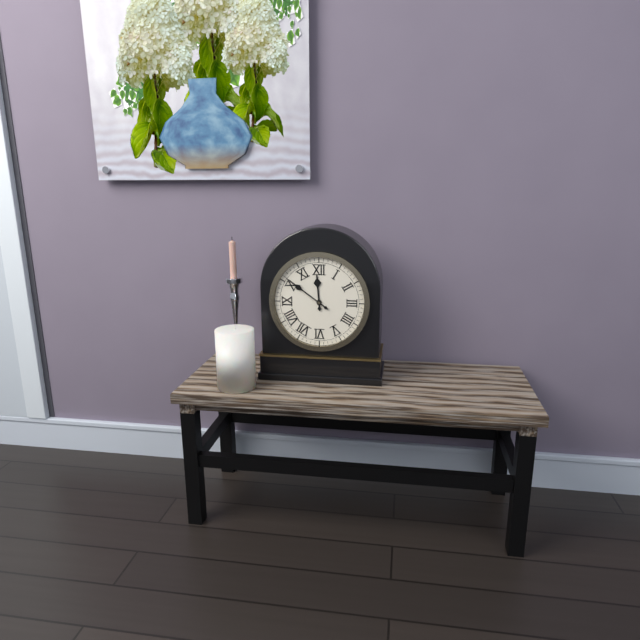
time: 11:51
